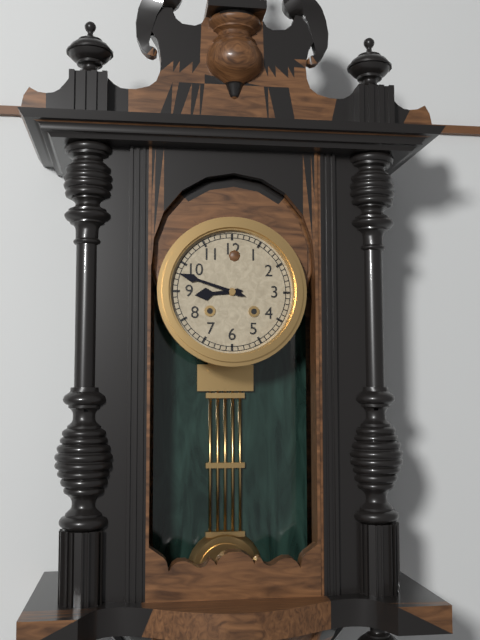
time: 8:48
